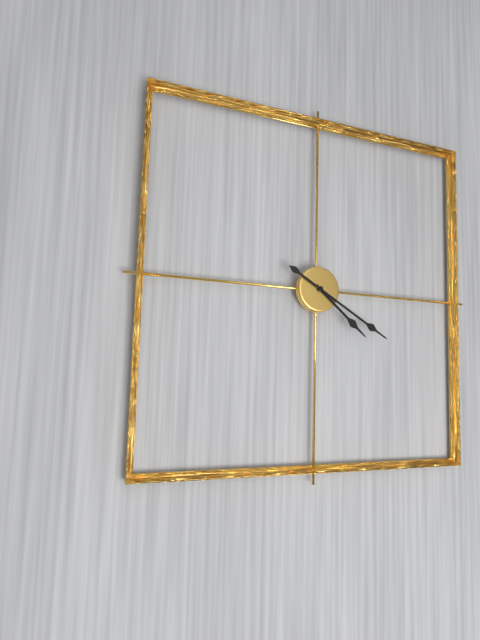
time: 4:20
